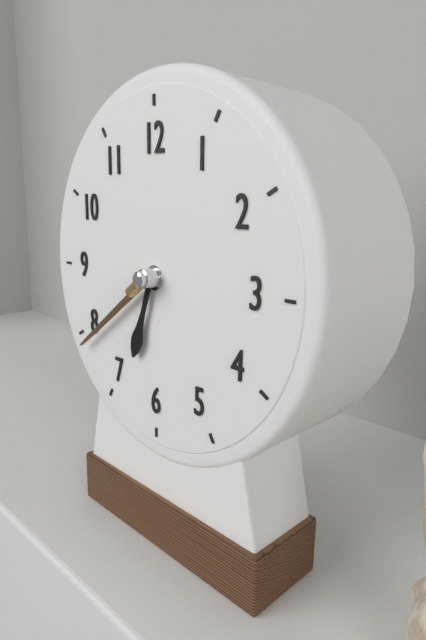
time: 6:39
